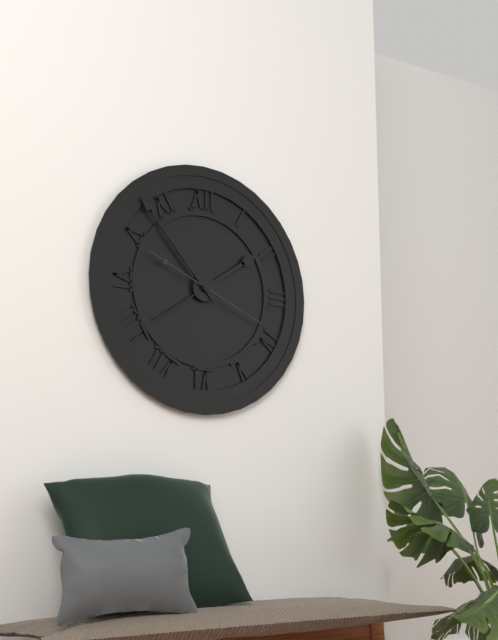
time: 1:53:19
